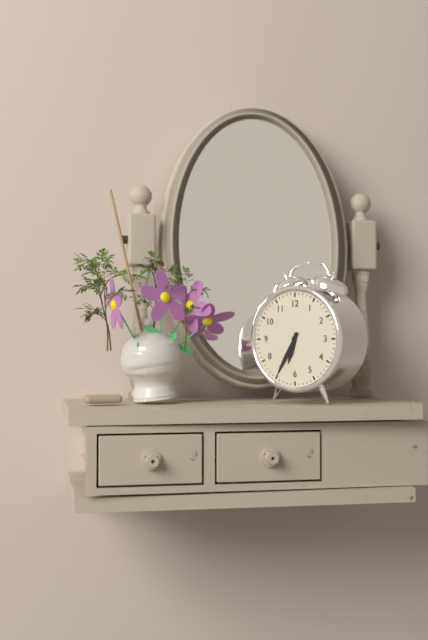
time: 6:35
